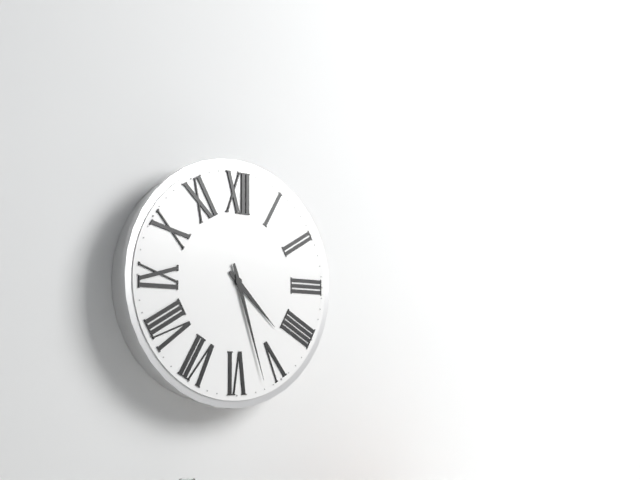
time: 4:27
